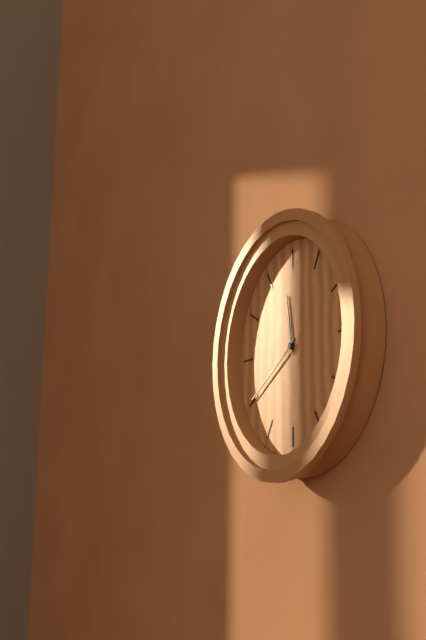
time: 11:40
